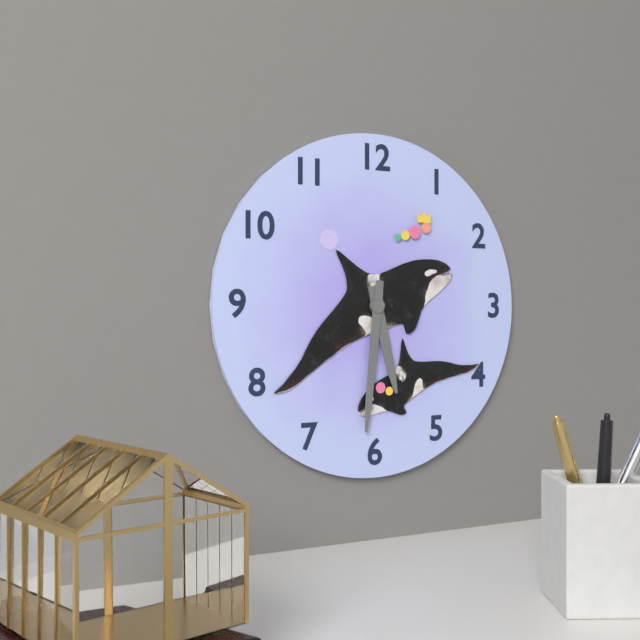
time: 5:31
